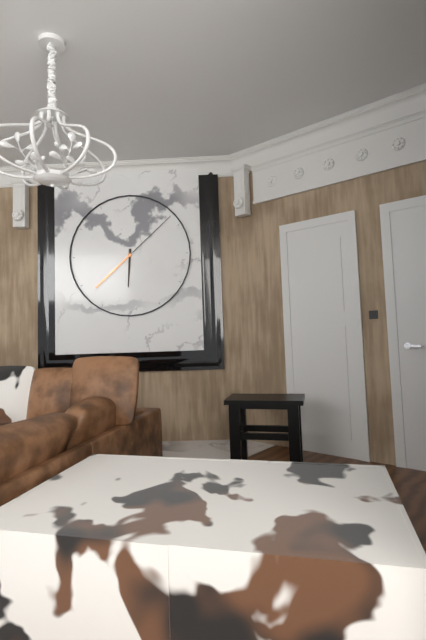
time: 6:08
